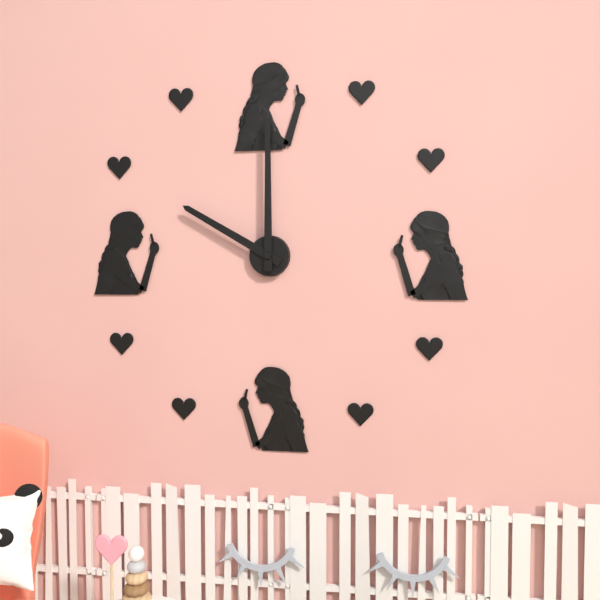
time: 10:00
